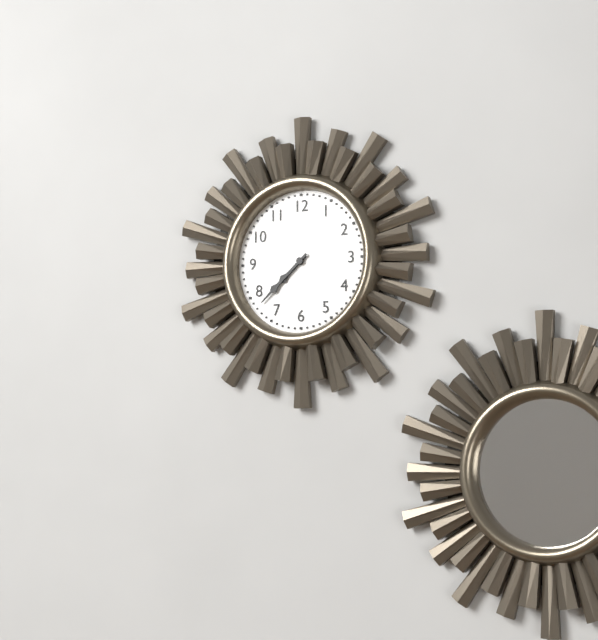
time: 7:38
